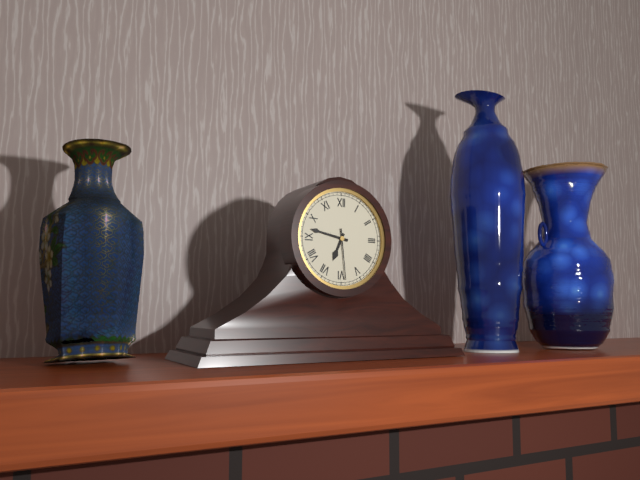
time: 6:47:29
